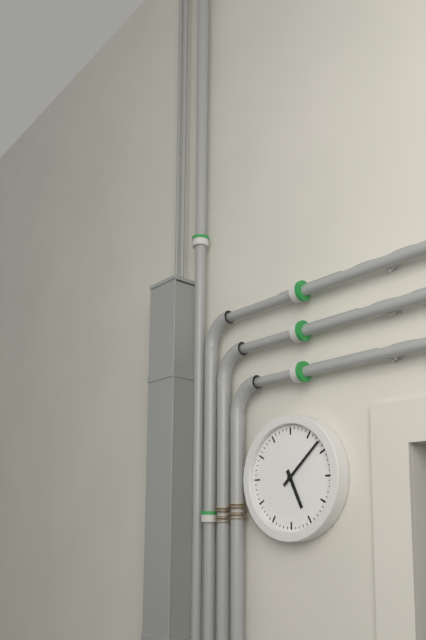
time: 5:08
